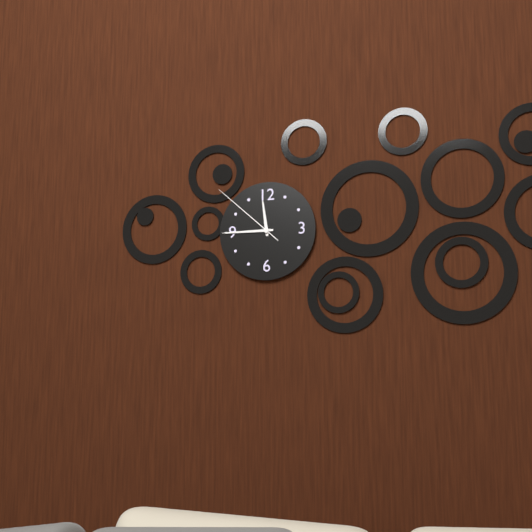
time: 11:45:52
